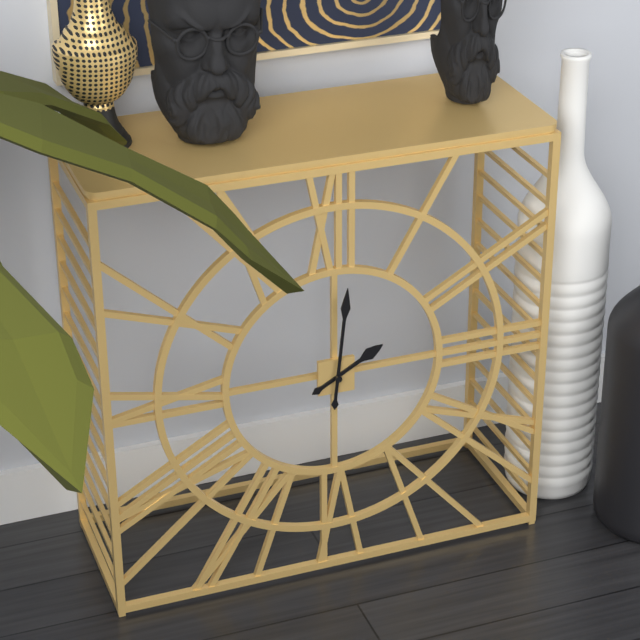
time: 2:01
